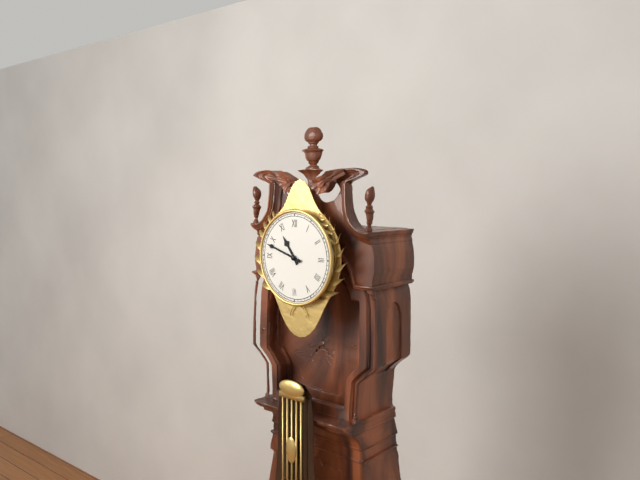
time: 10:48
